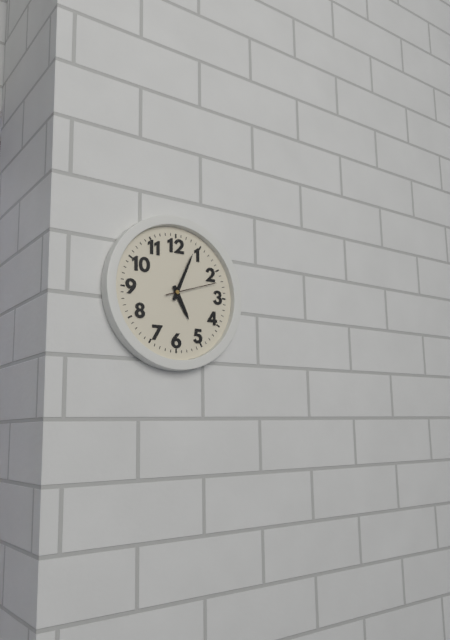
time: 5:04:12
